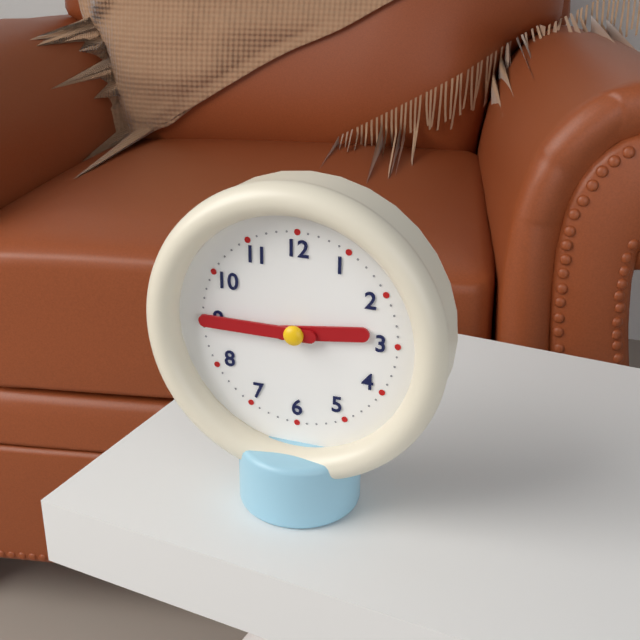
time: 2:45
